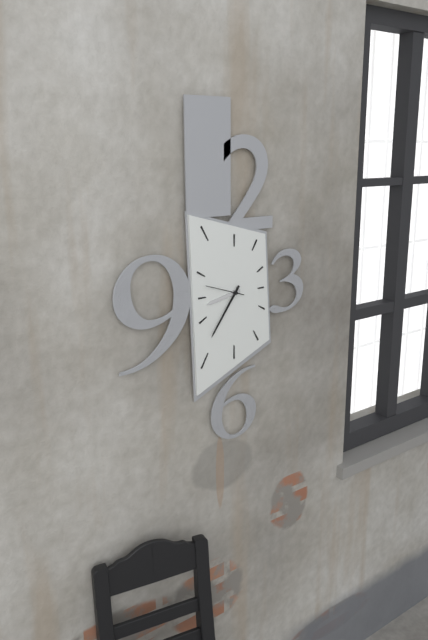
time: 8:36
